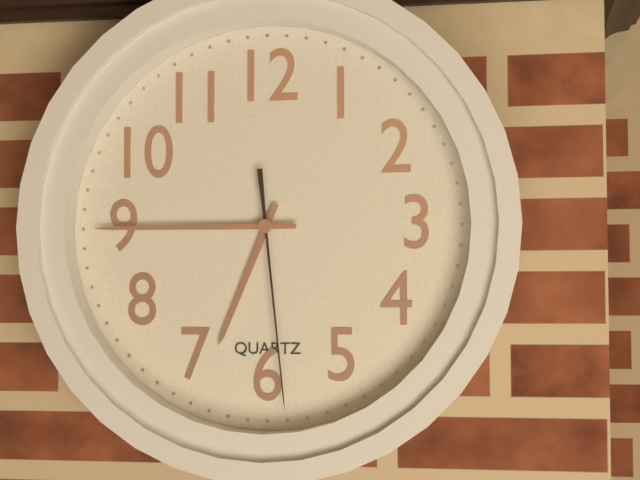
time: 6:45:29
